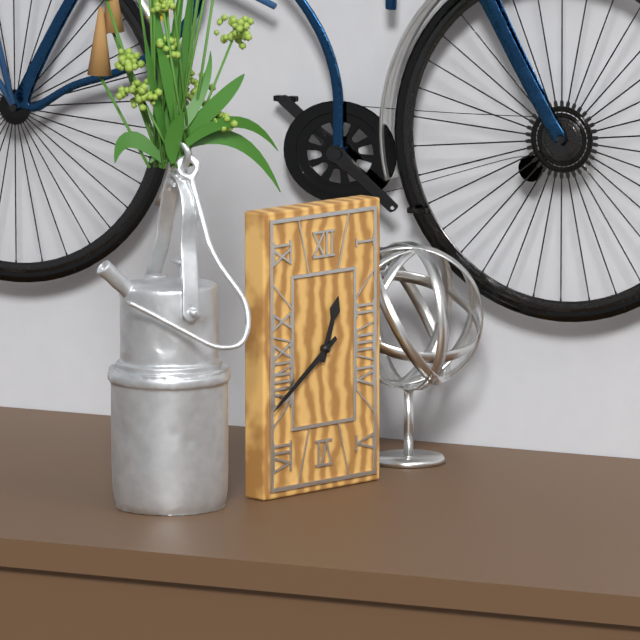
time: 12:39
